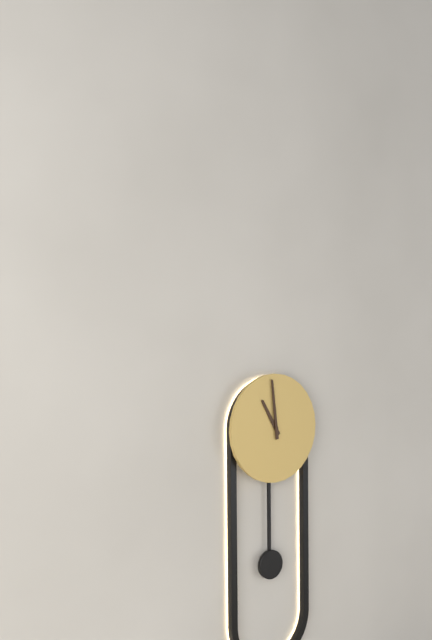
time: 10:59
